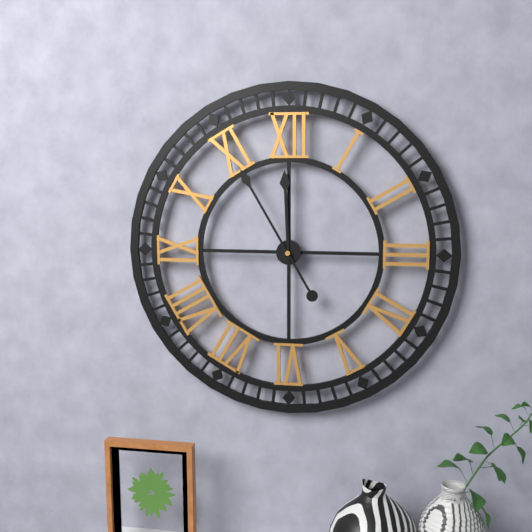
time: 11:55
